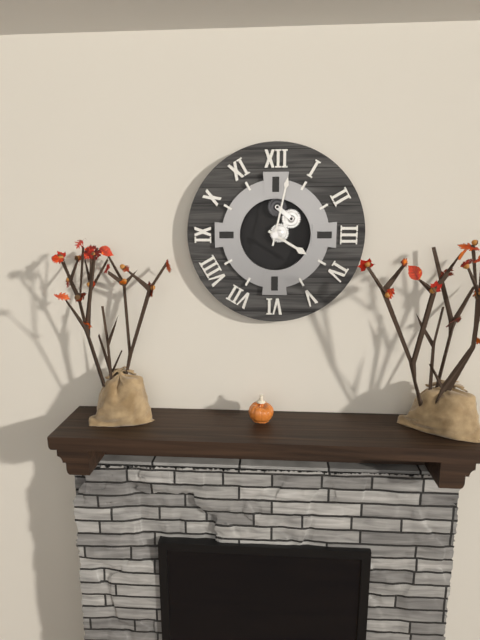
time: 4:02
